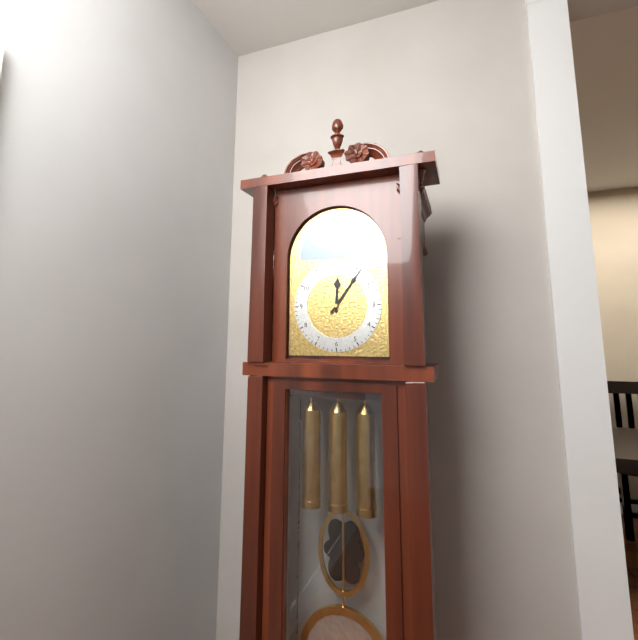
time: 12:06
